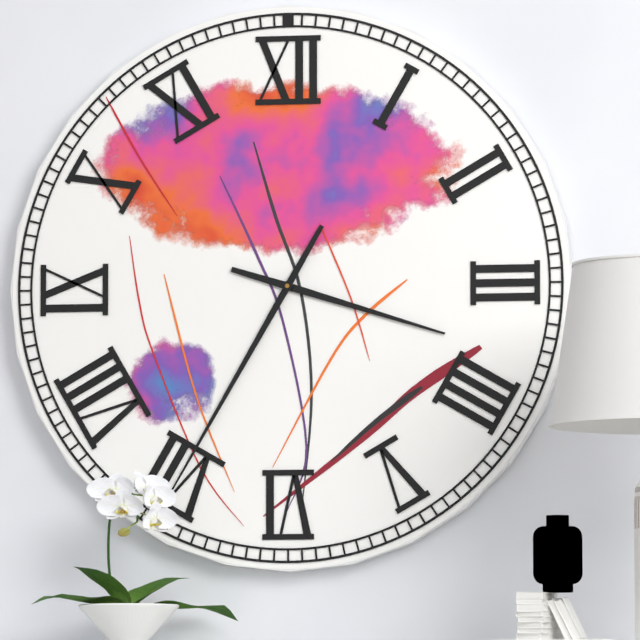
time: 3:35
